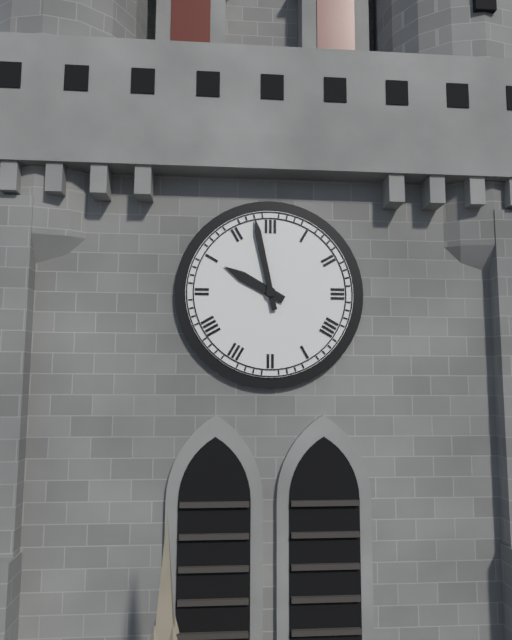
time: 9:58
